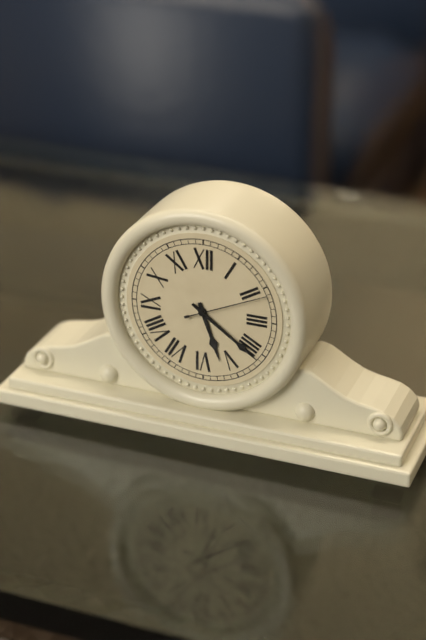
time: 5:21:11
